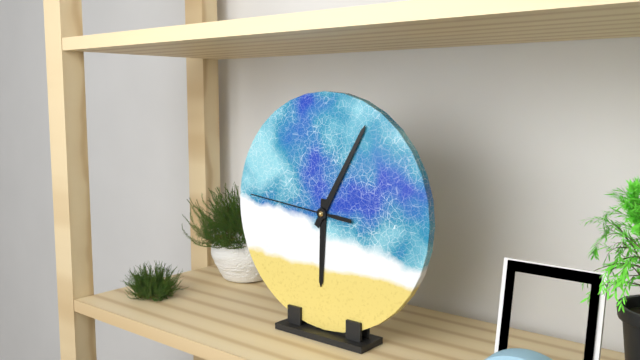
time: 6:05:46
